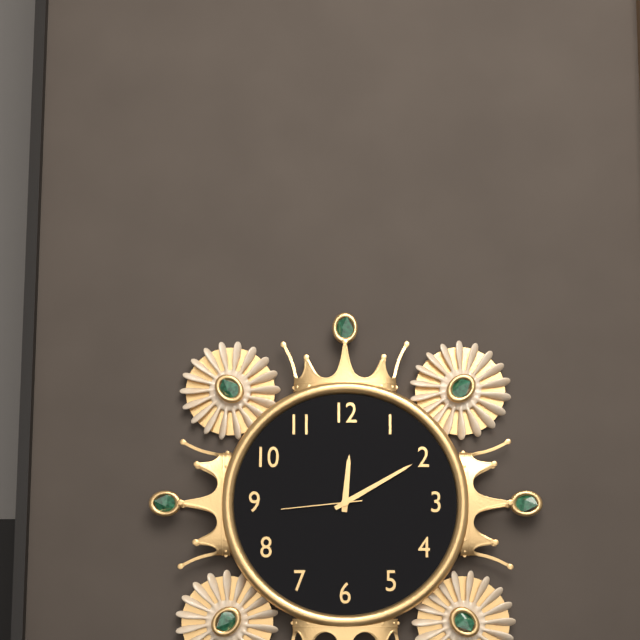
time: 12:10:44
